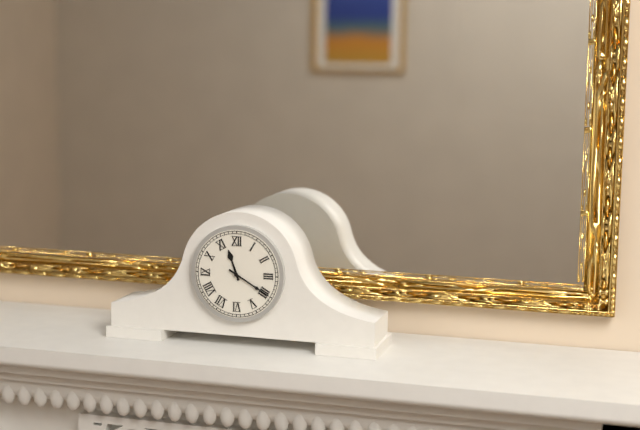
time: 11:20
